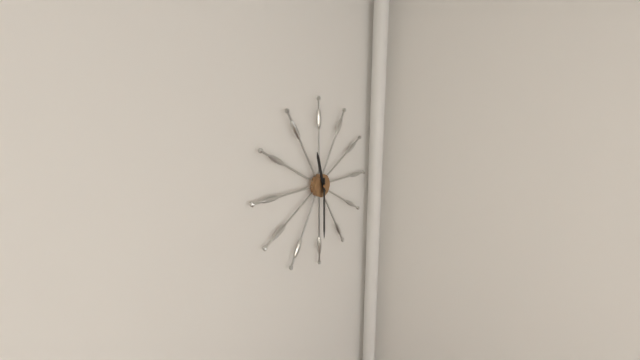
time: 11:30
